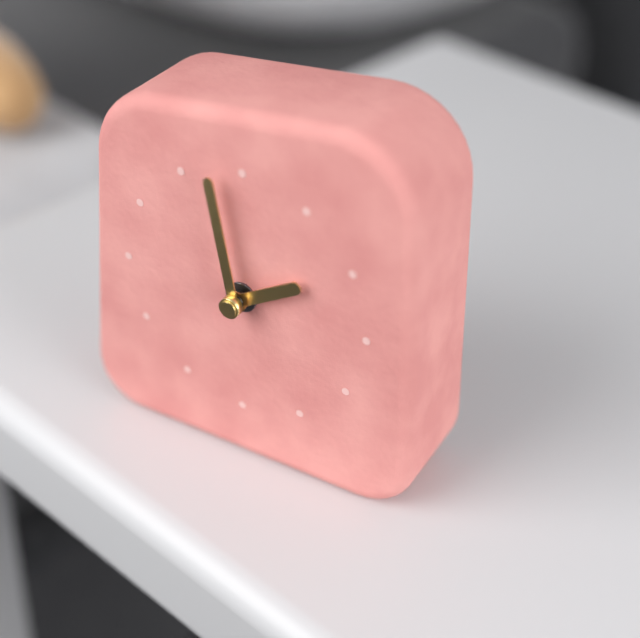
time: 1:58
